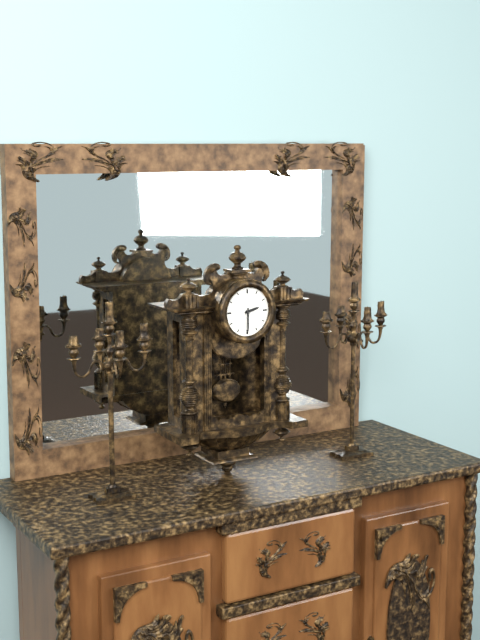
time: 2:30
